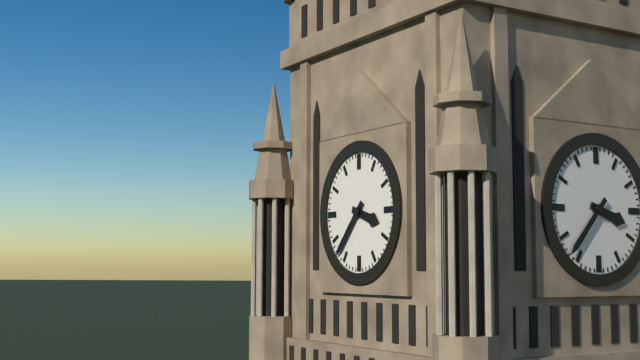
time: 3:37
